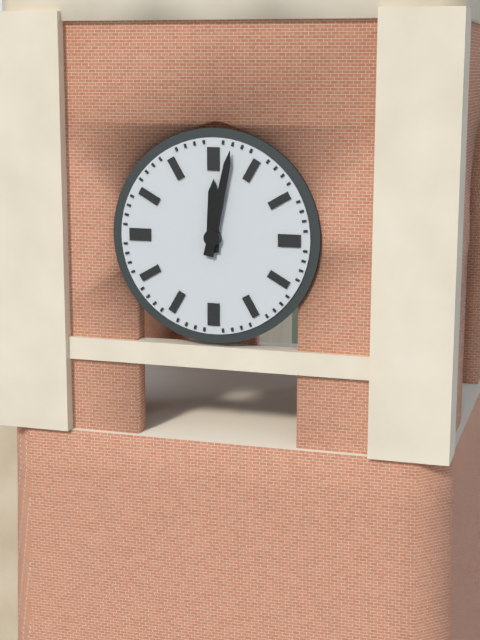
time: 12:02
